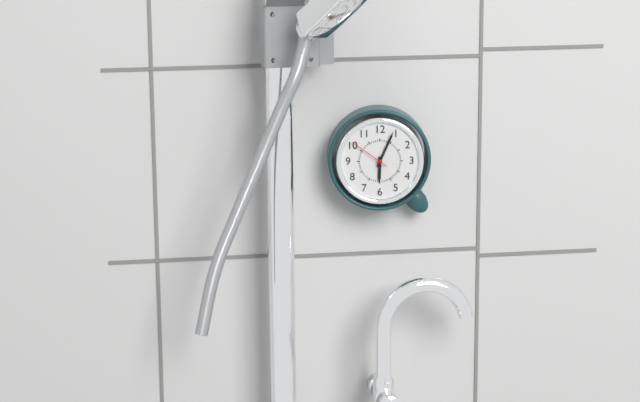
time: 6:04
